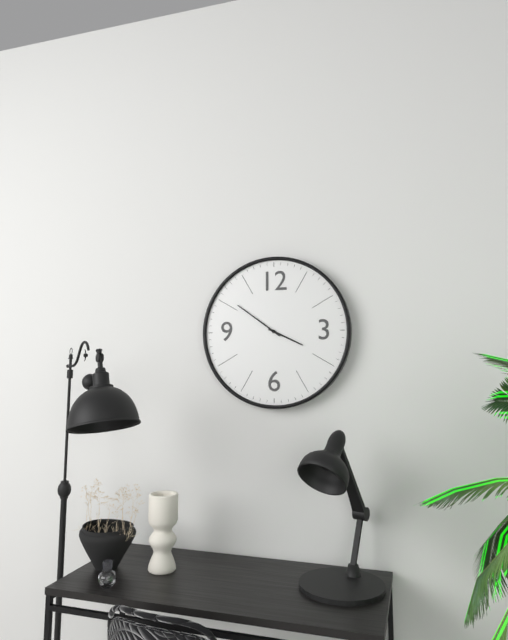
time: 3:51
